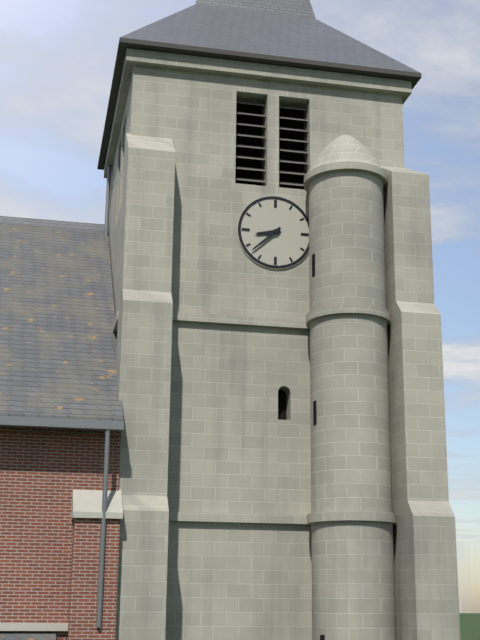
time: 8:38
